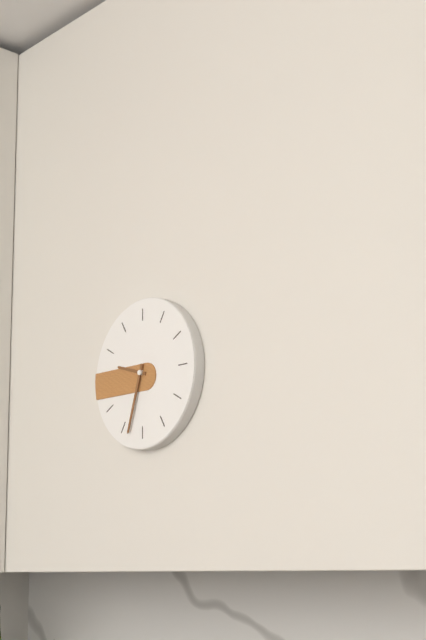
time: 9:33
